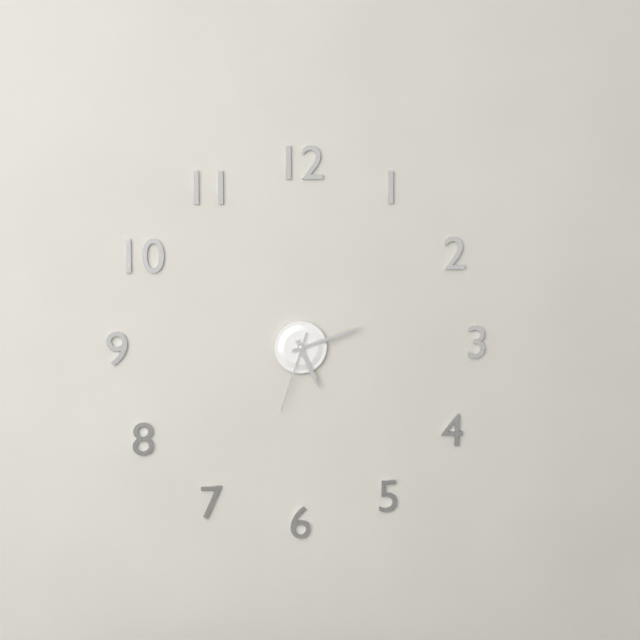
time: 5:12:33
